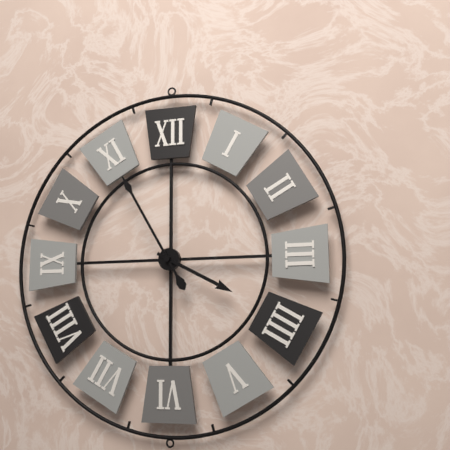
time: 3:55
